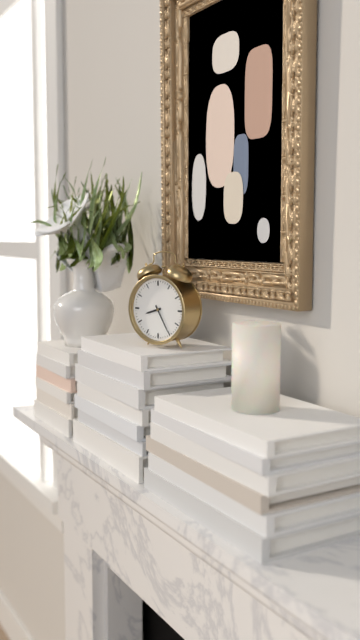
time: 8:25
